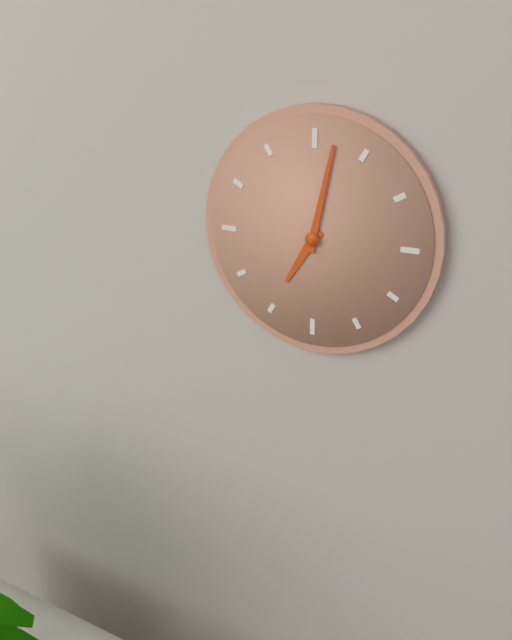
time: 7:02
